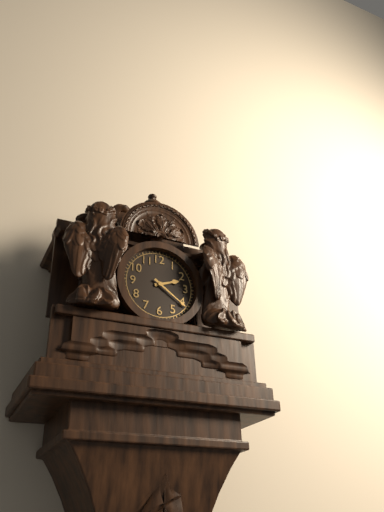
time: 2:21
